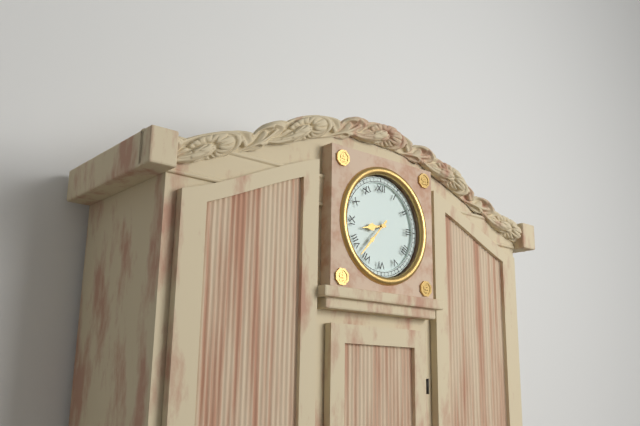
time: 8:37
